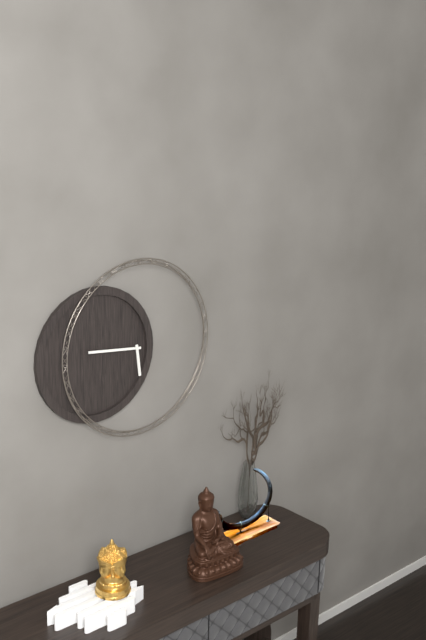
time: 5:46
